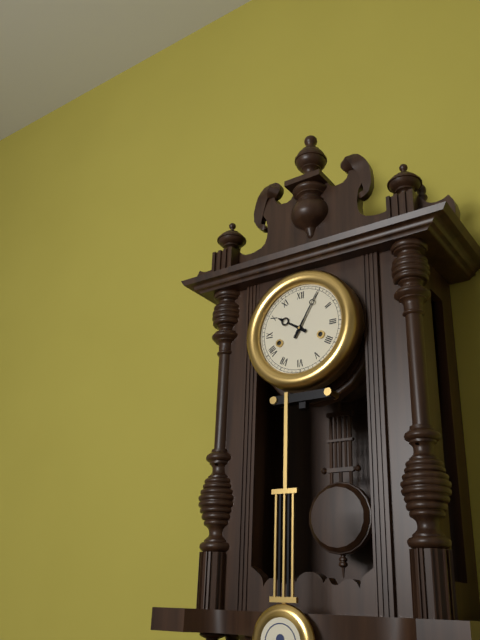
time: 10:05
